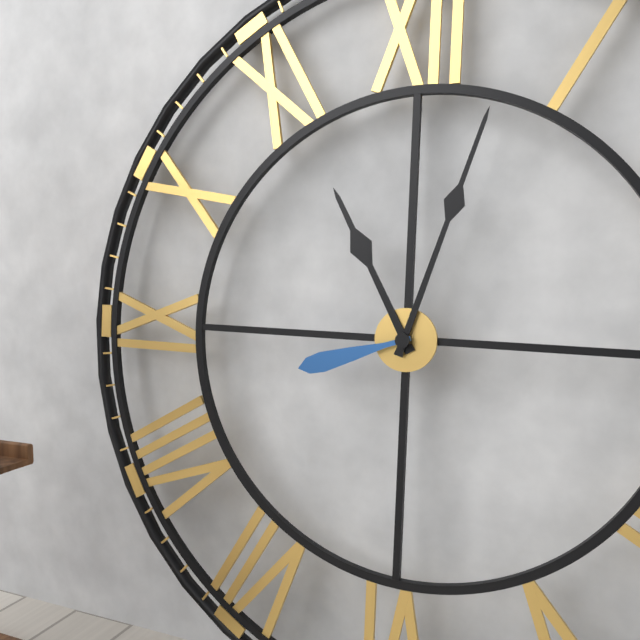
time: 11:03:42
